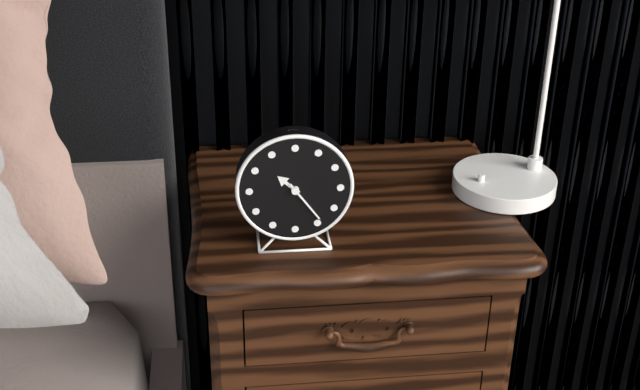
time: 10:24
